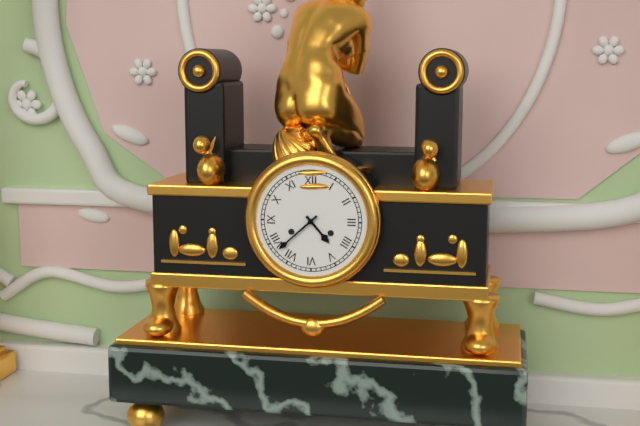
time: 4:38
